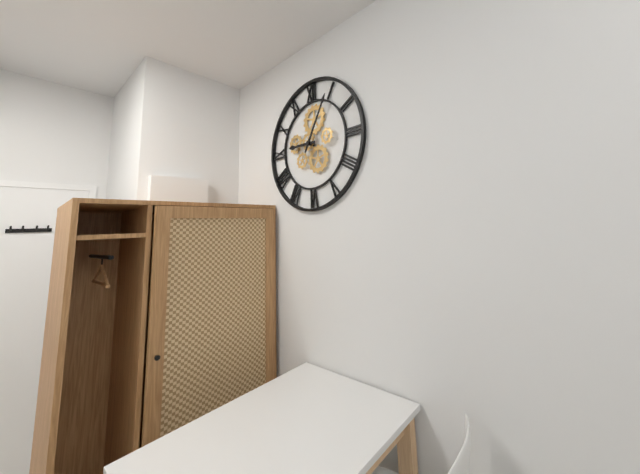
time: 9:05
